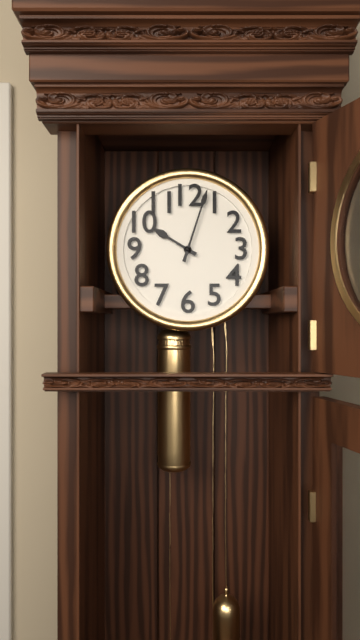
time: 10:03
